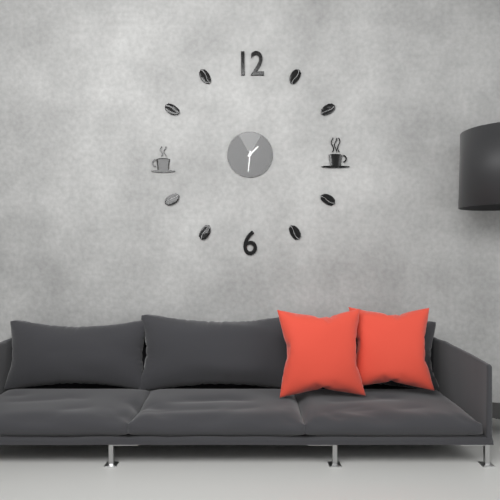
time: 1:31
